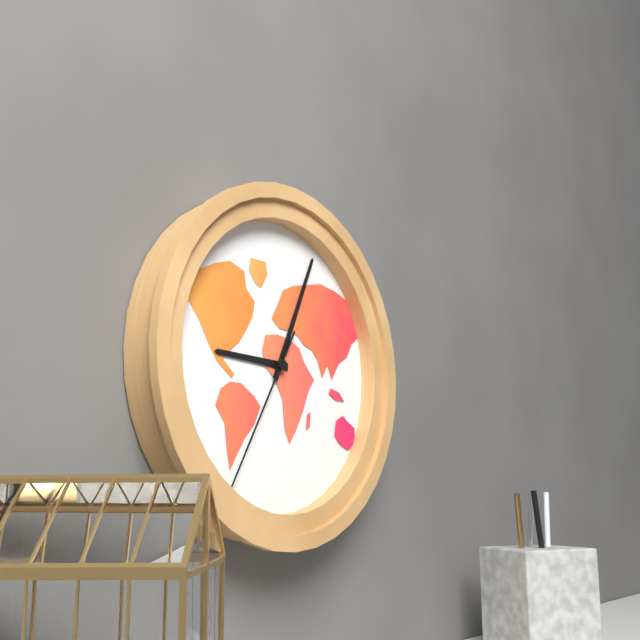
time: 9:04:35
